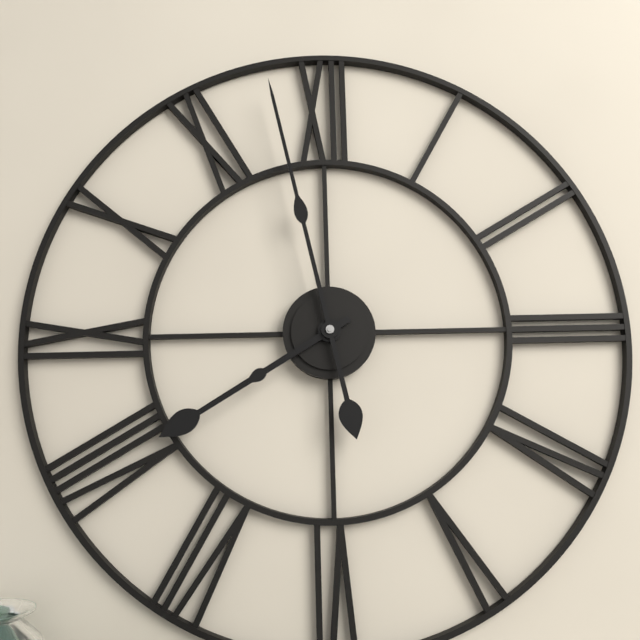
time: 7:58
